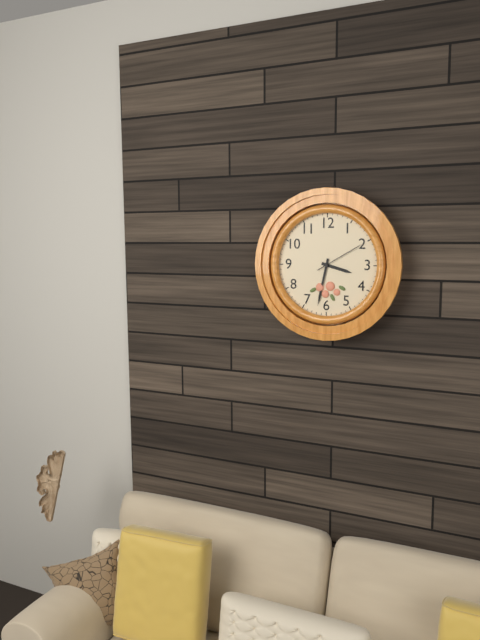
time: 3:32:10
